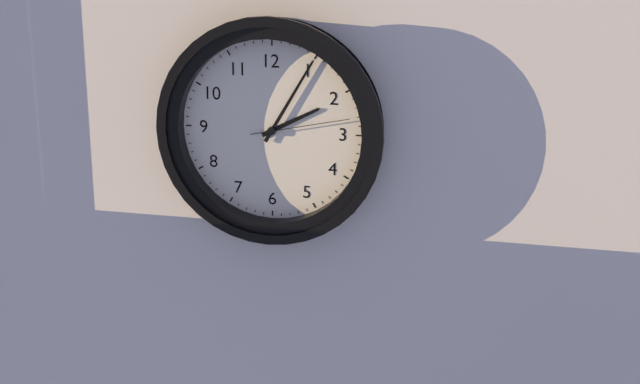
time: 2:05:13
